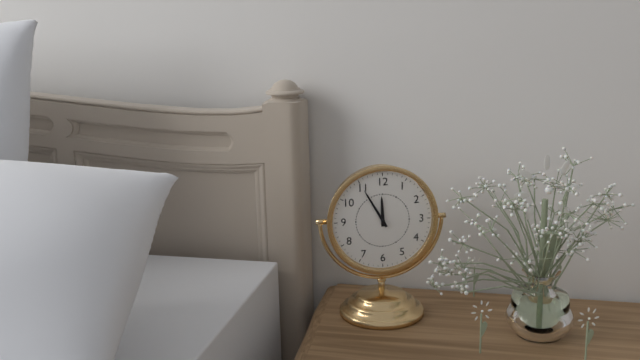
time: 11:55
